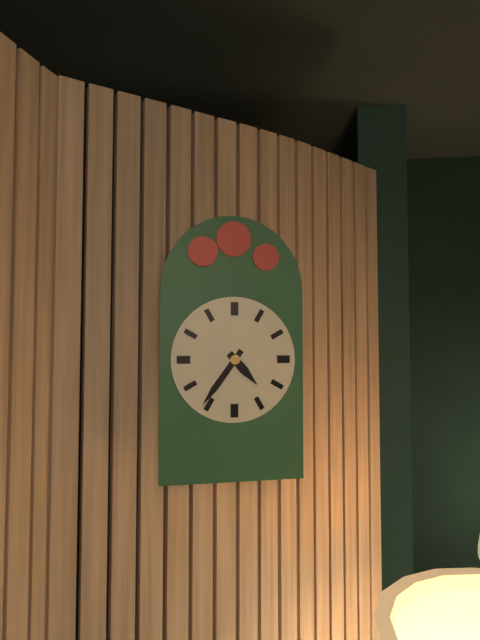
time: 4:36
